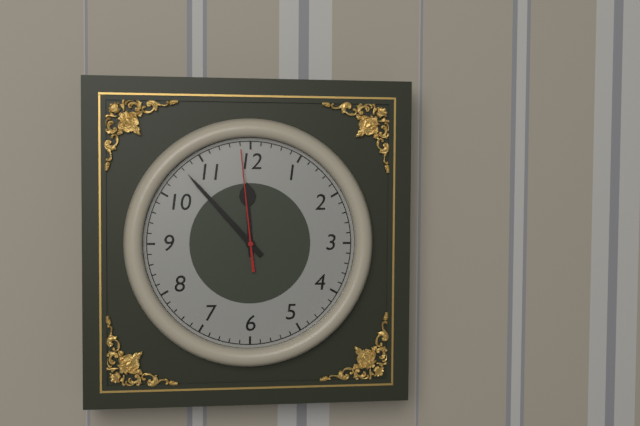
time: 11:53:59
